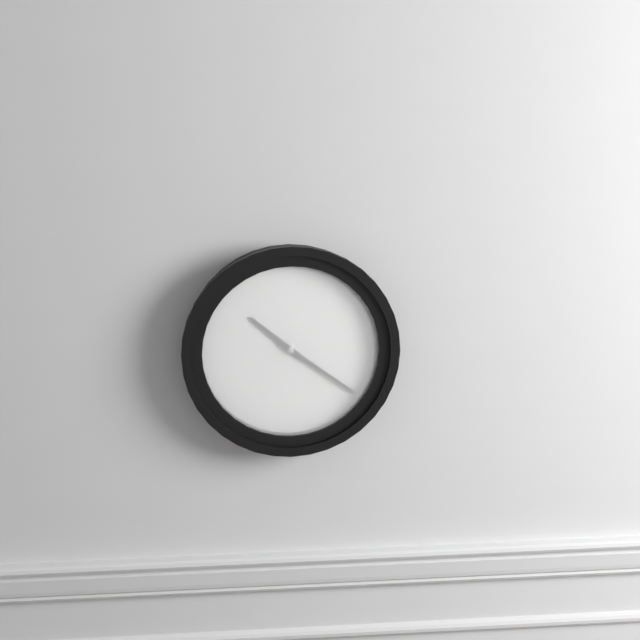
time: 10:21
